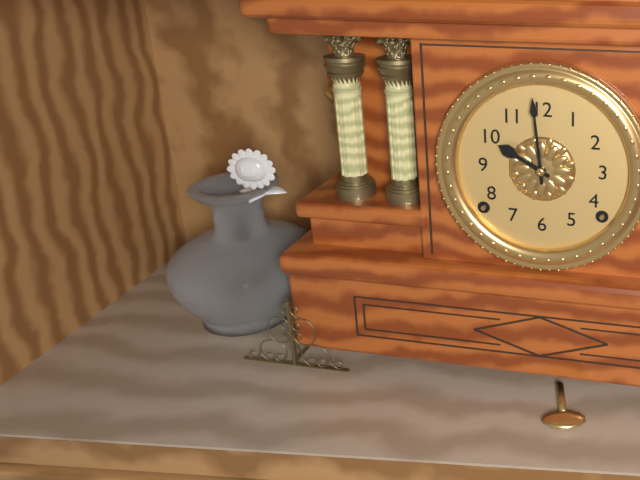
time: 9:59
